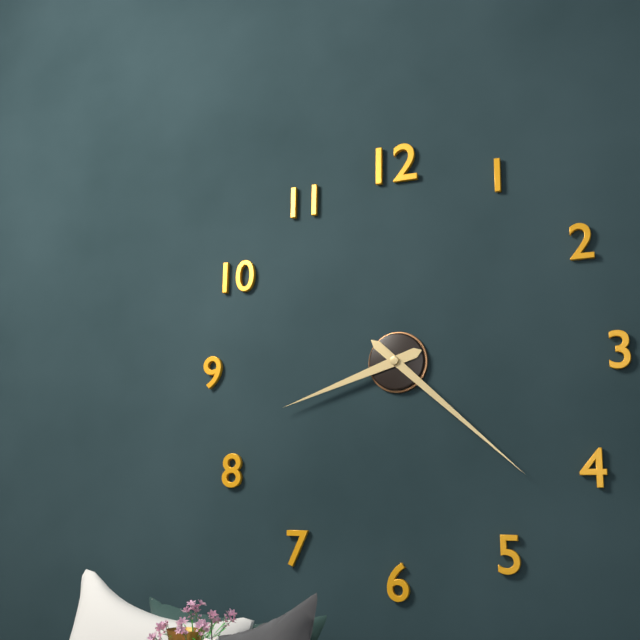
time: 8:22
